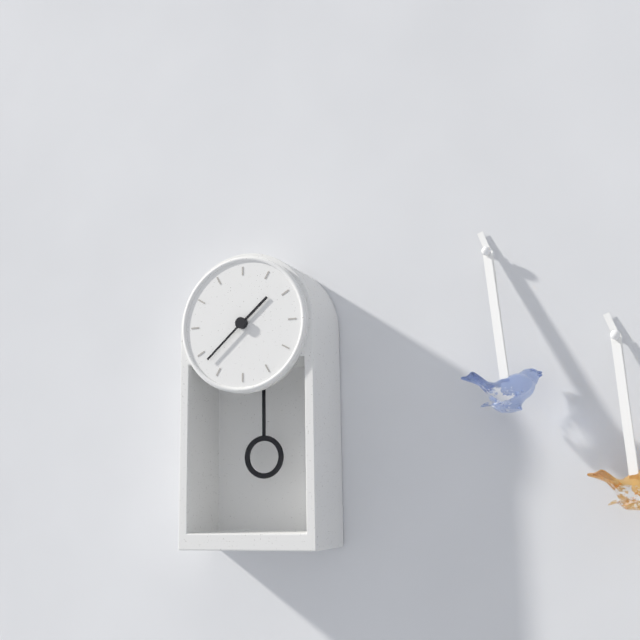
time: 1:38
